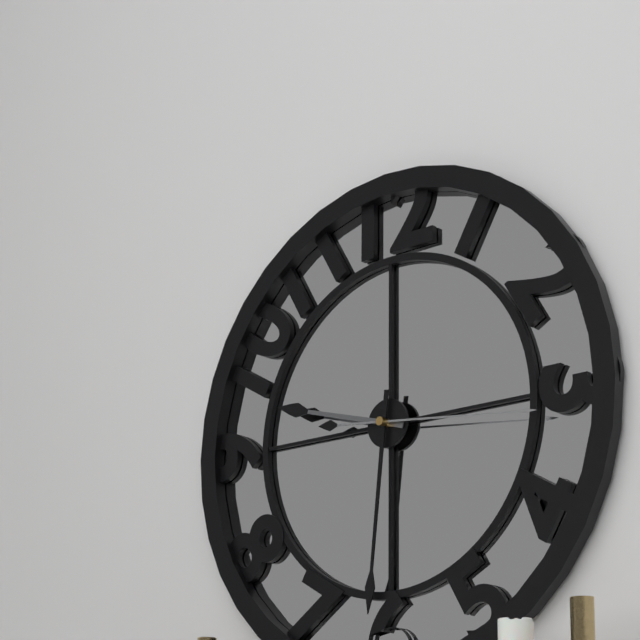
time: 9:31:16
